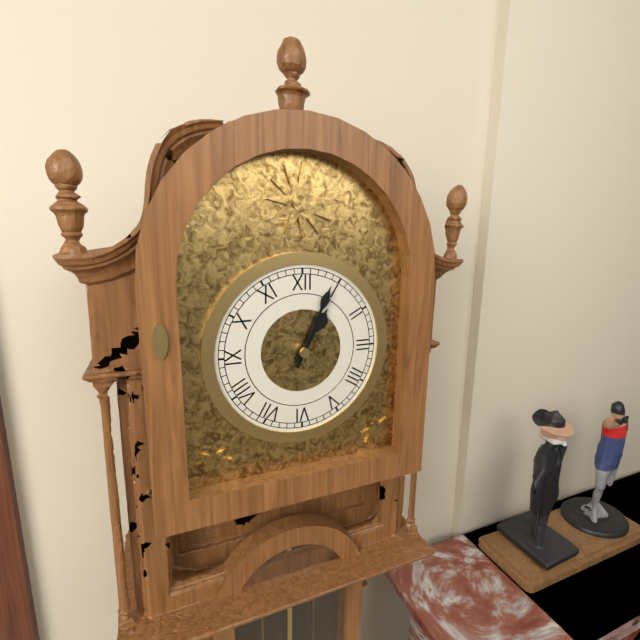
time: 1:04
